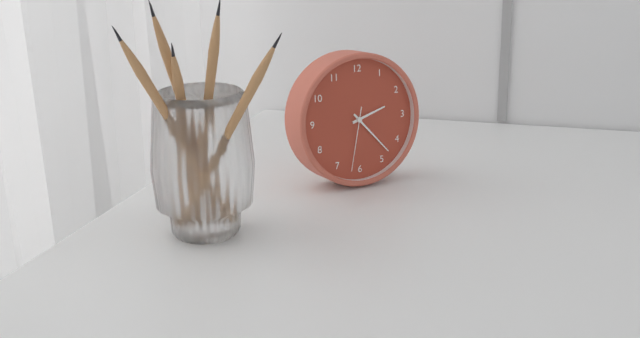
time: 2:23:32
